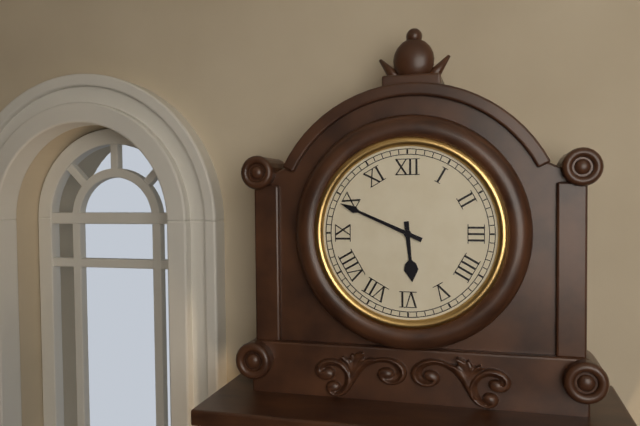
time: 5:49
